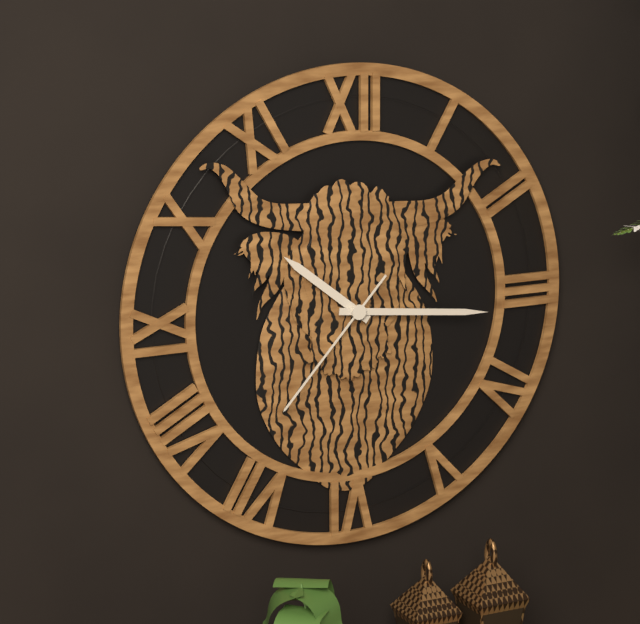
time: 10:16:37
